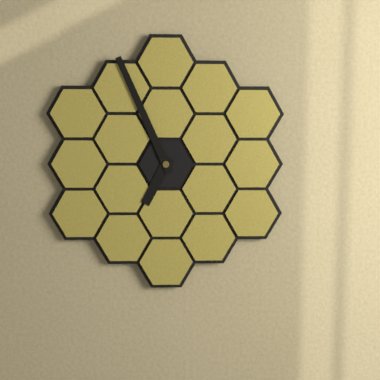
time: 6:56
